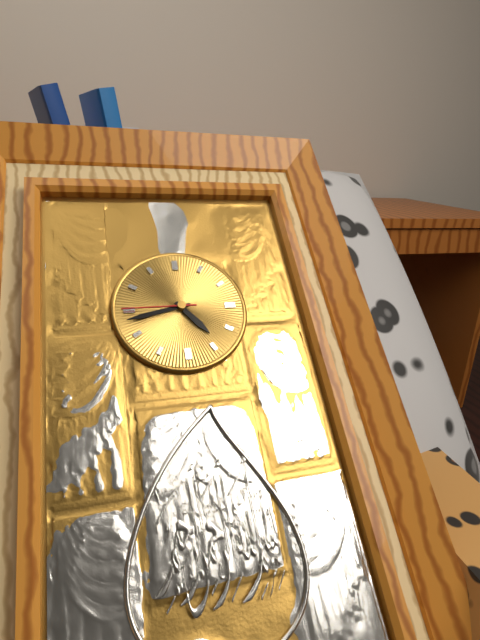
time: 4:43:45
